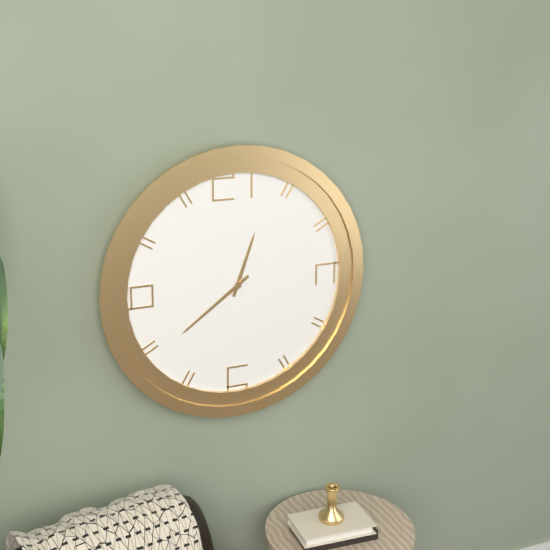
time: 12:39
